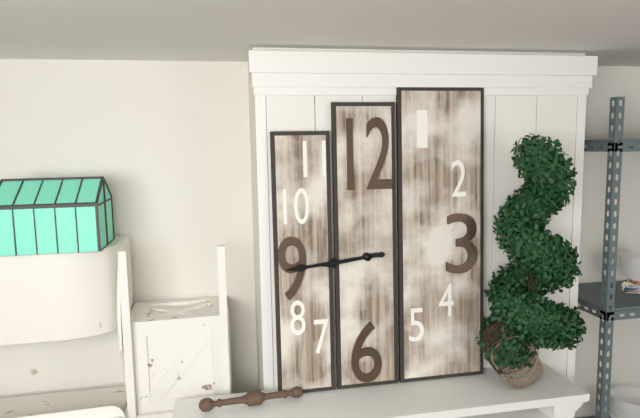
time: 8:44
